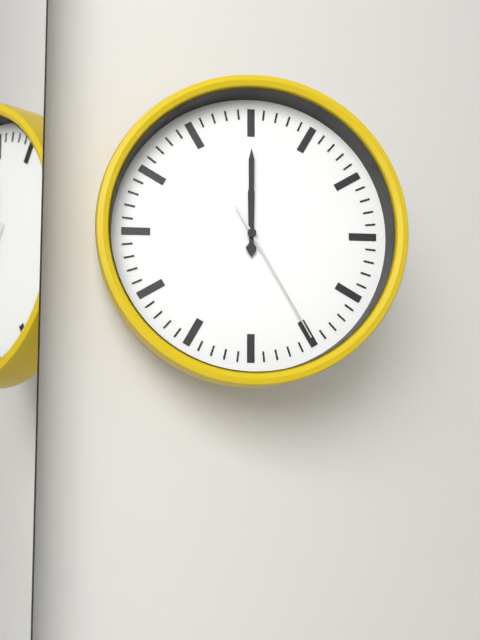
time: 12:00:25
